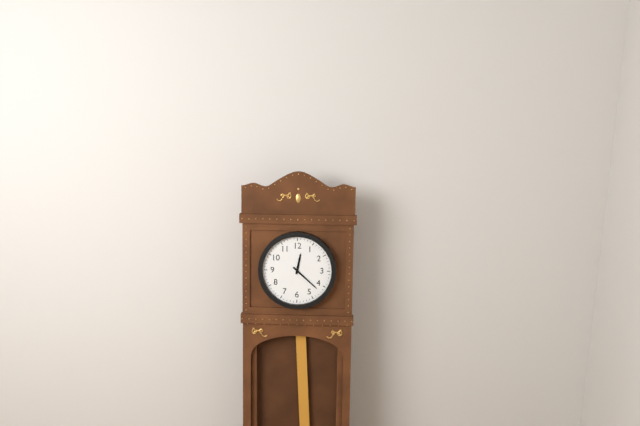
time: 12:22
